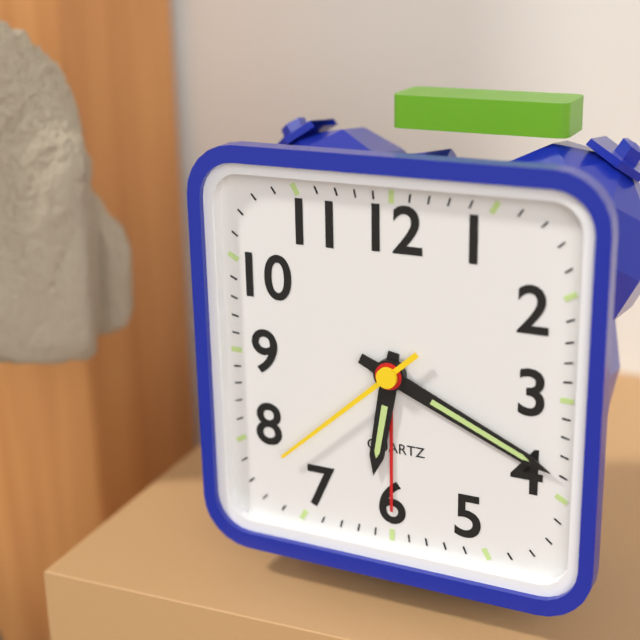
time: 6:19:38
